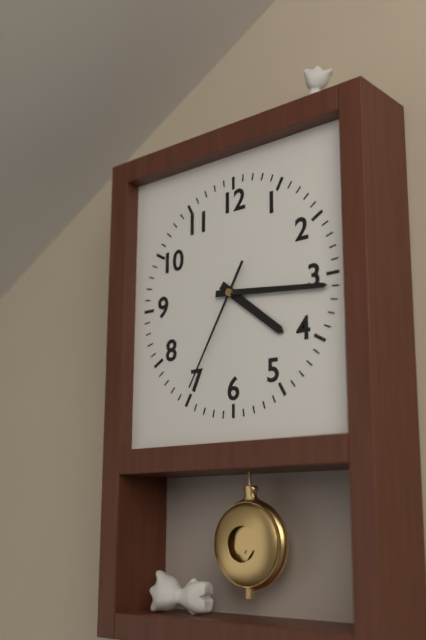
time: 4:16:35
